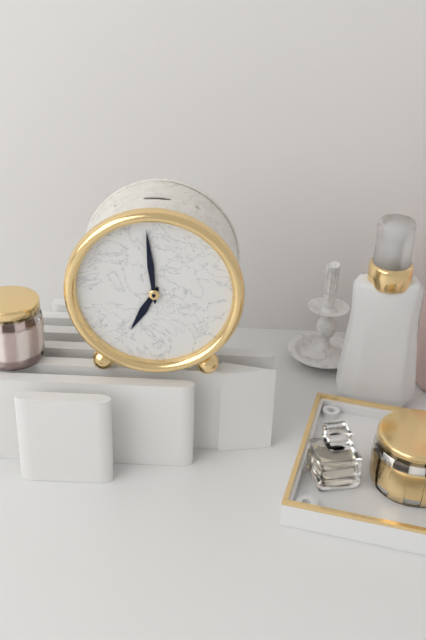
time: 6:59
